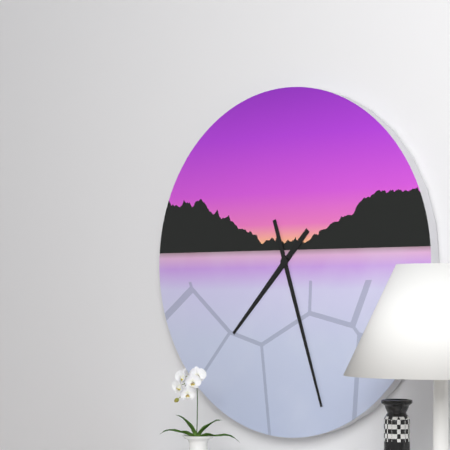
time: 7:27
